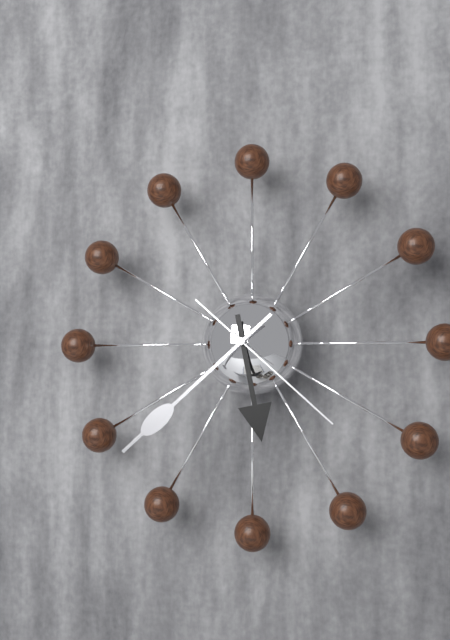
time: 5:38:22
